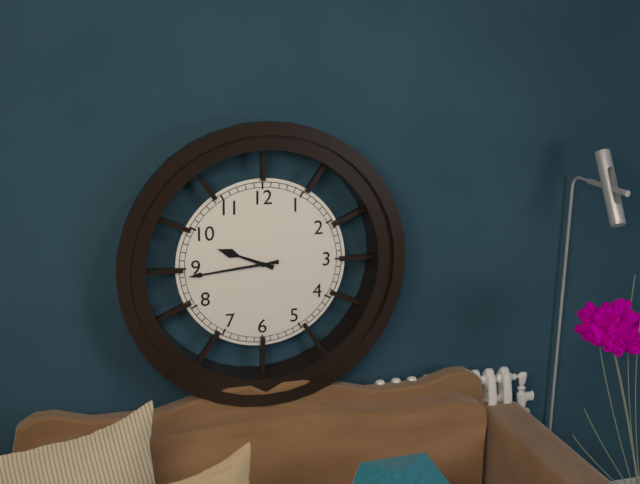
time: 9:44
